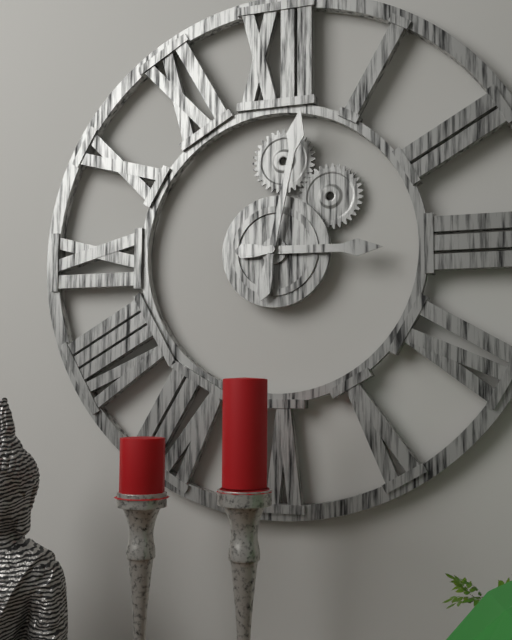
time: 3:02
